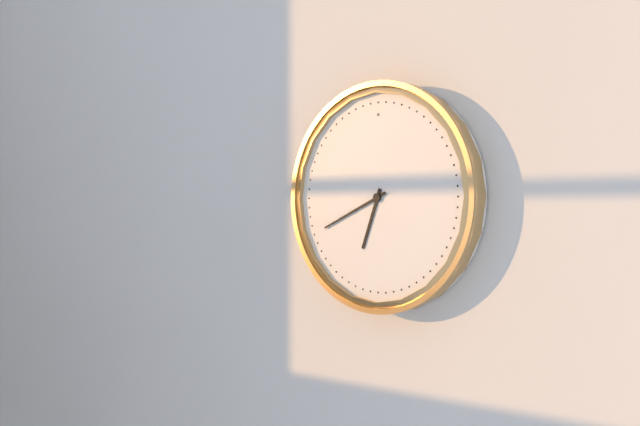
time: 6:41
